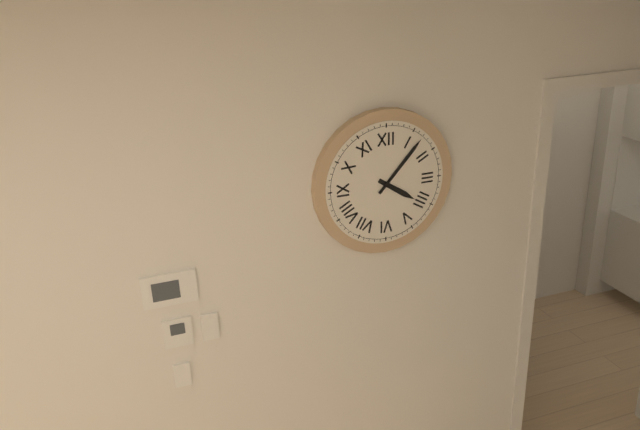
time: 4:07
